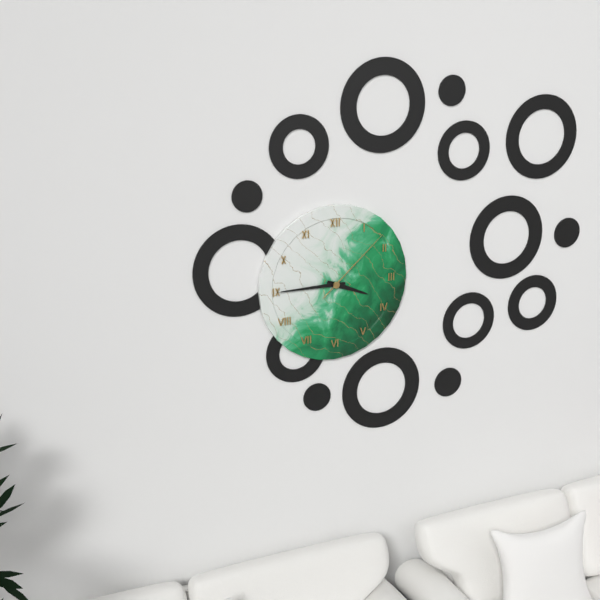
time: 3:45:08
